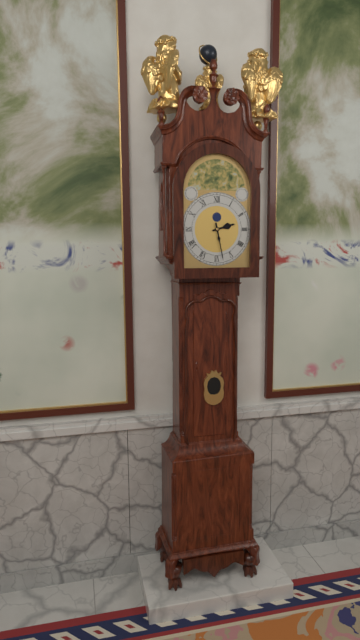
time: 2:28
